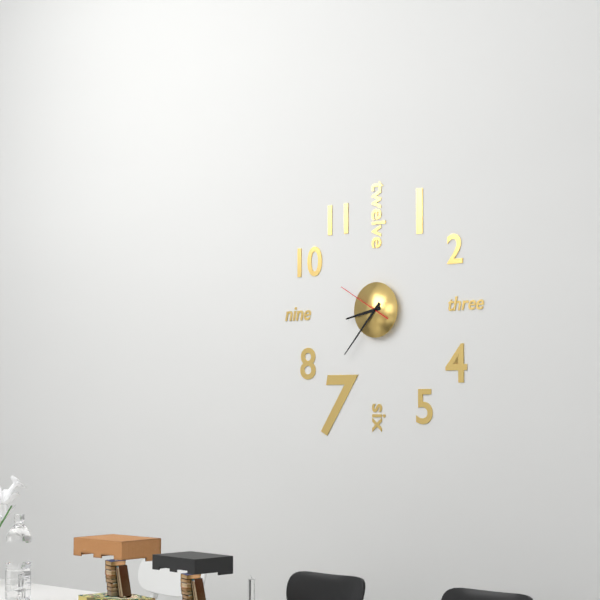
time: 8:37:50
